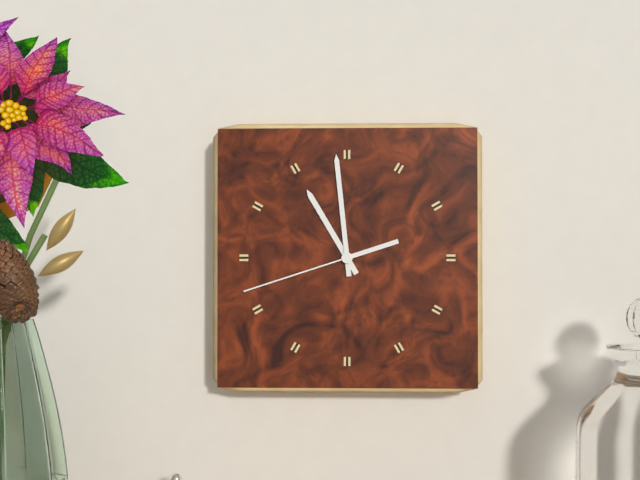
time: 10:59:42
